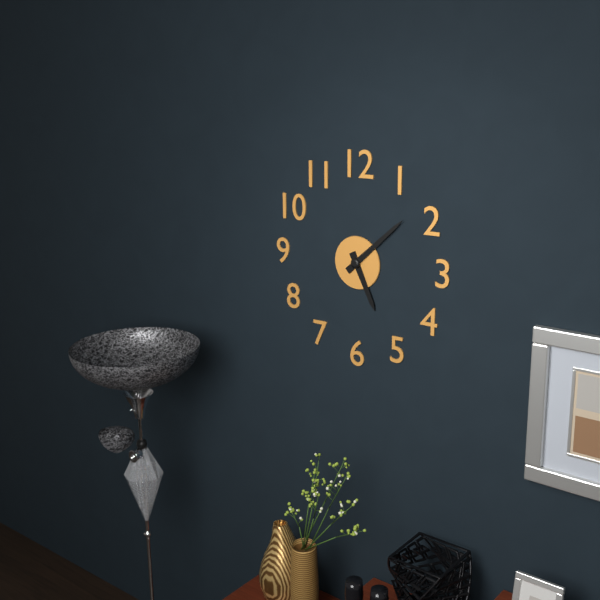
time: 5:08
